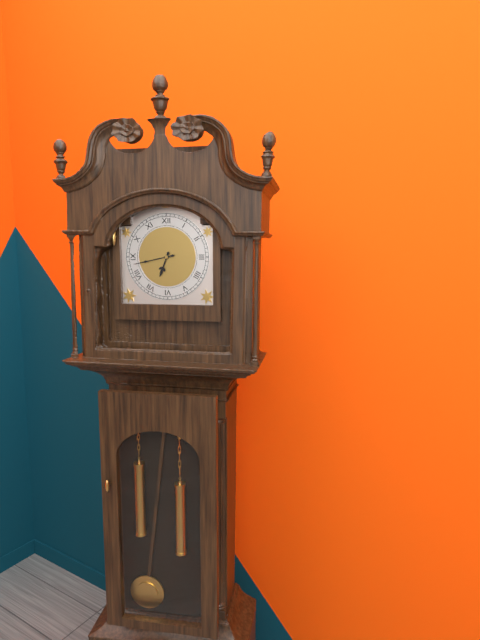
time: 6:43
